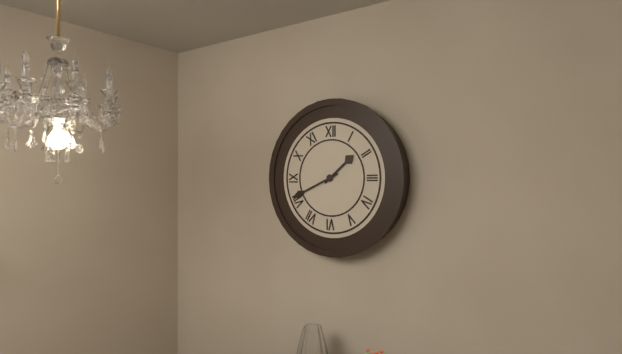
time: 1:41
